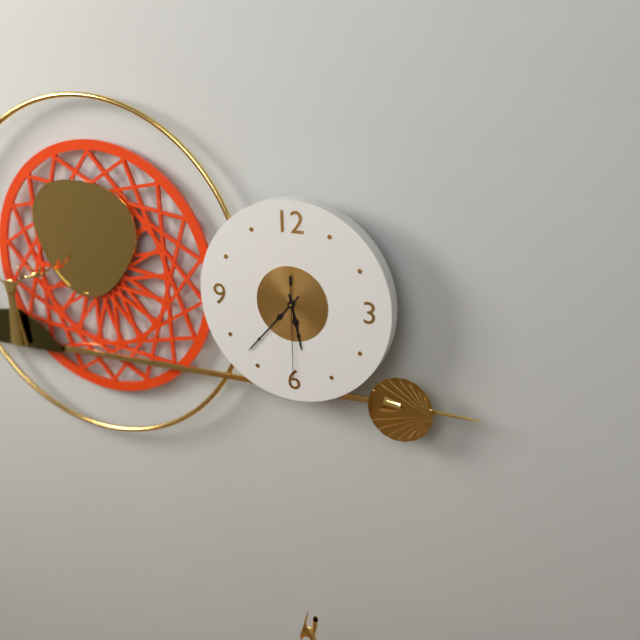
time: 5:37:30
